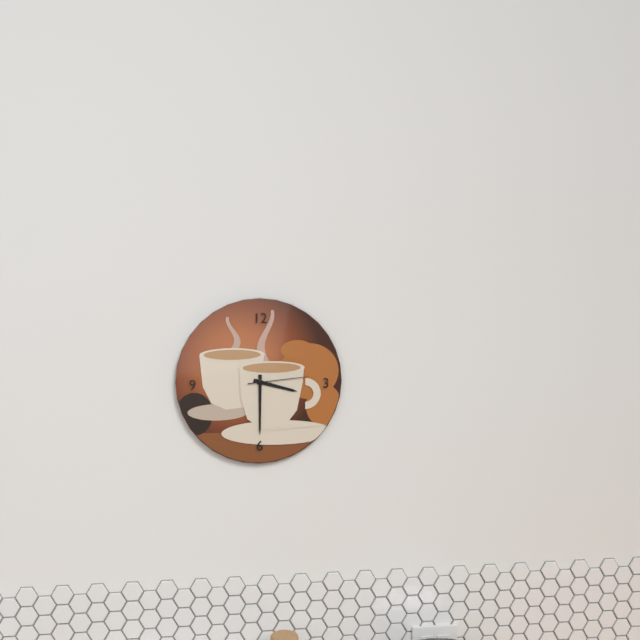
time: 3:30:14
